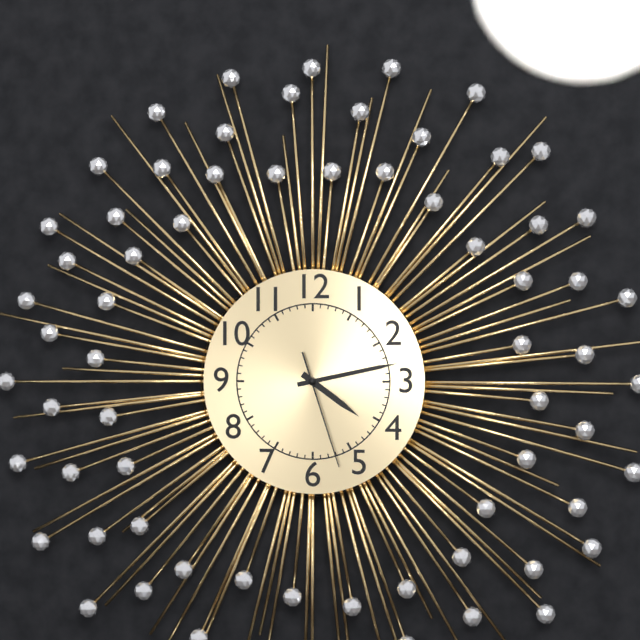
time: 4:13:27
